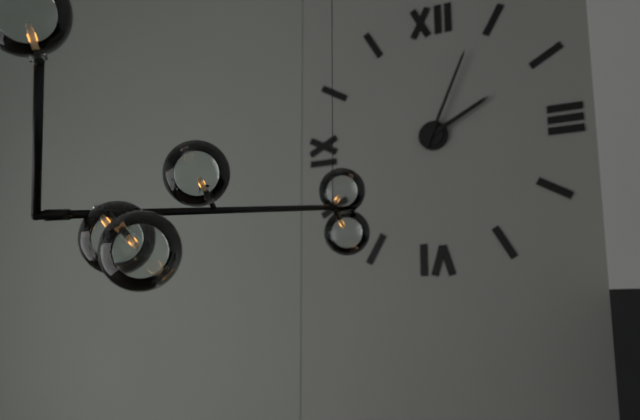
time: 2:04
